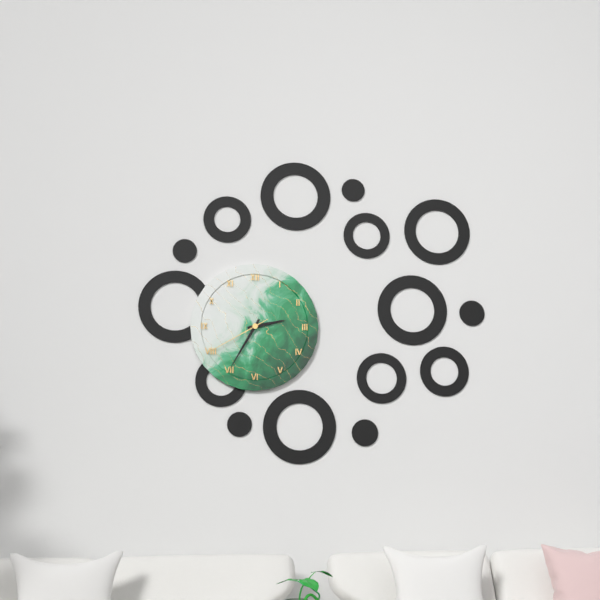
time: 2:35:40
